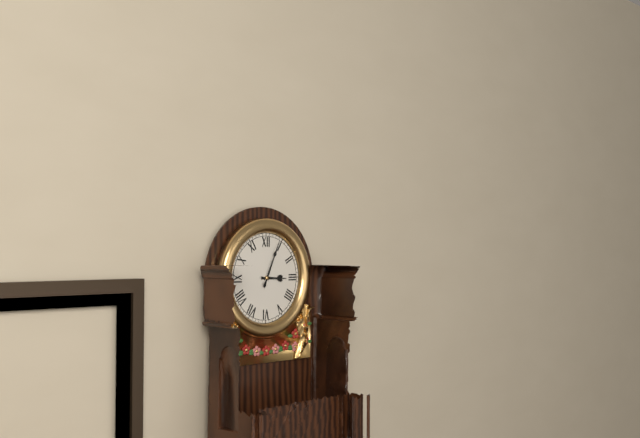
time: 3:04
